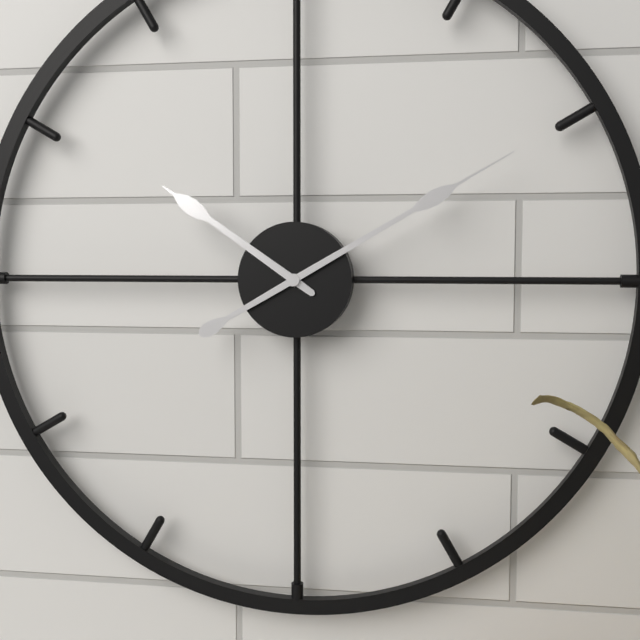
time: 10:10
